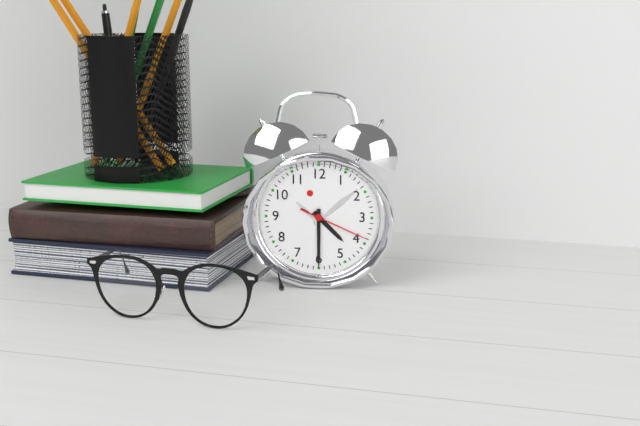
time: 4:30:19
